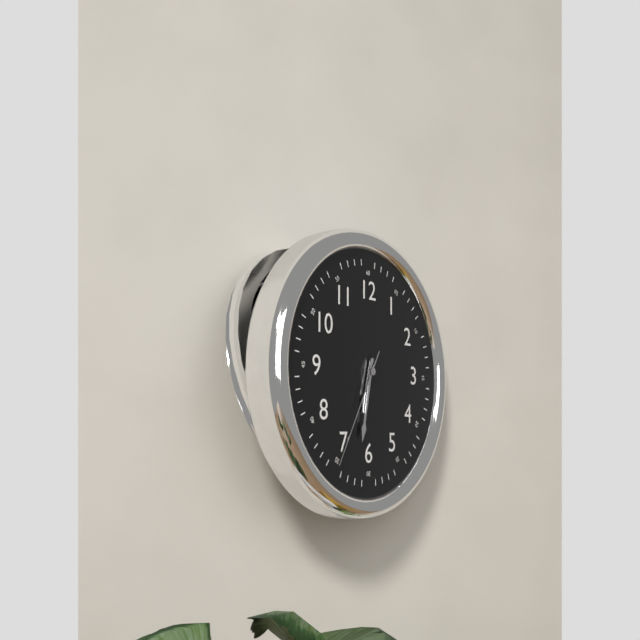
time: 6:32:35
